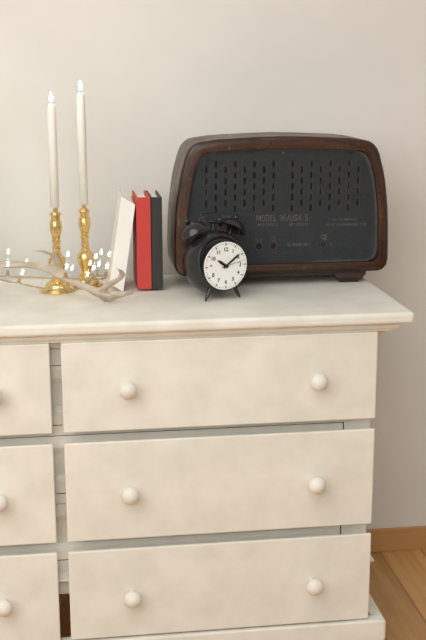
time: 10:09
